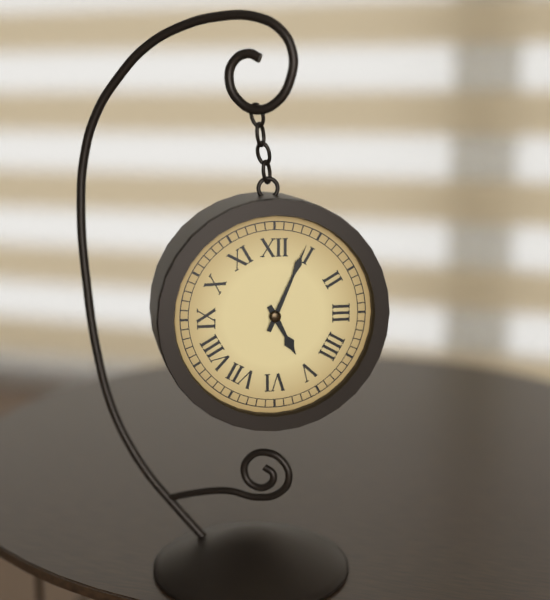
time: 5:04
